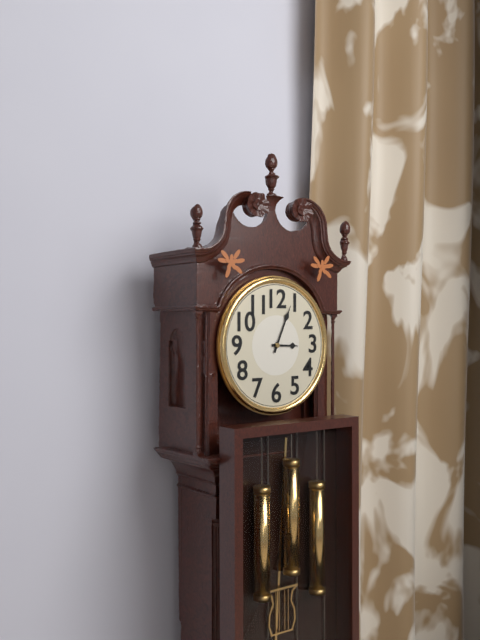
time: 3:04
